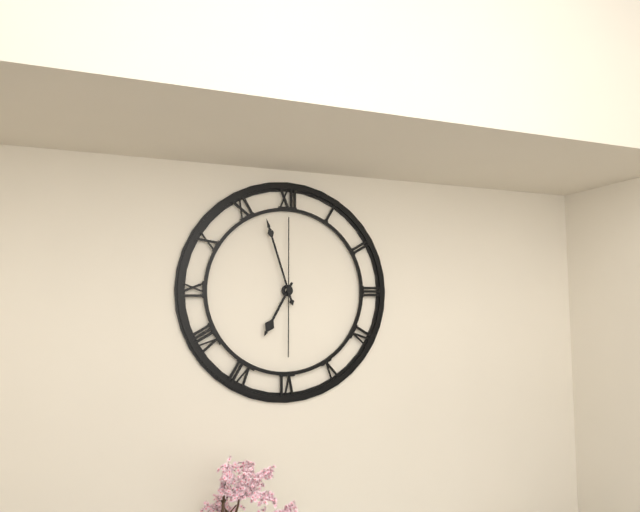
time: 6:57:00
